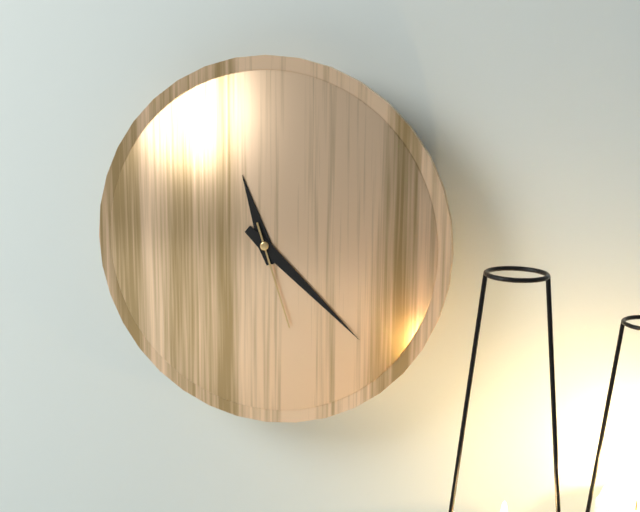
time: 11:22:27
